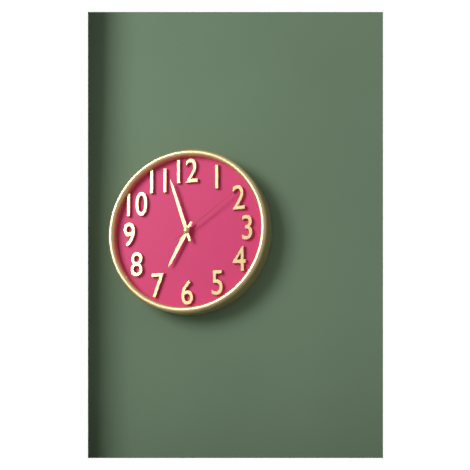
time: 6:57:09
